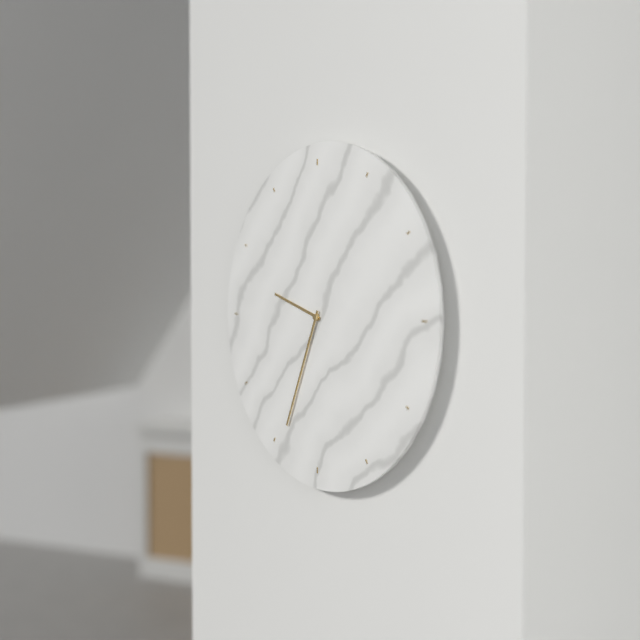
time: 9:34
